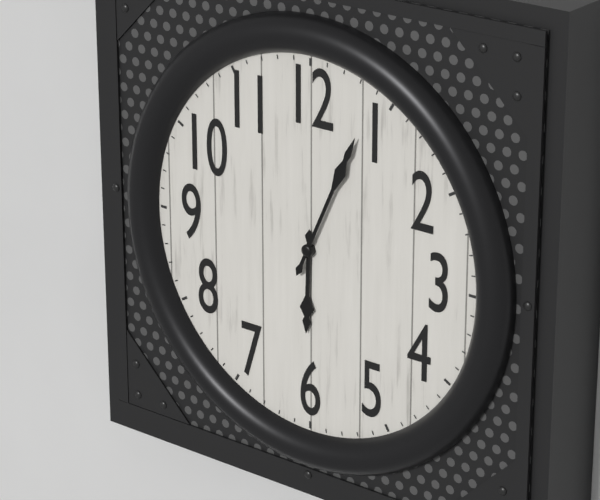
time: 6:04
